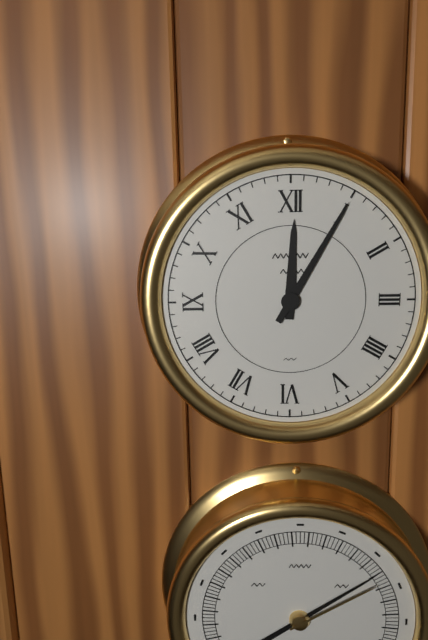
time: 12:05
